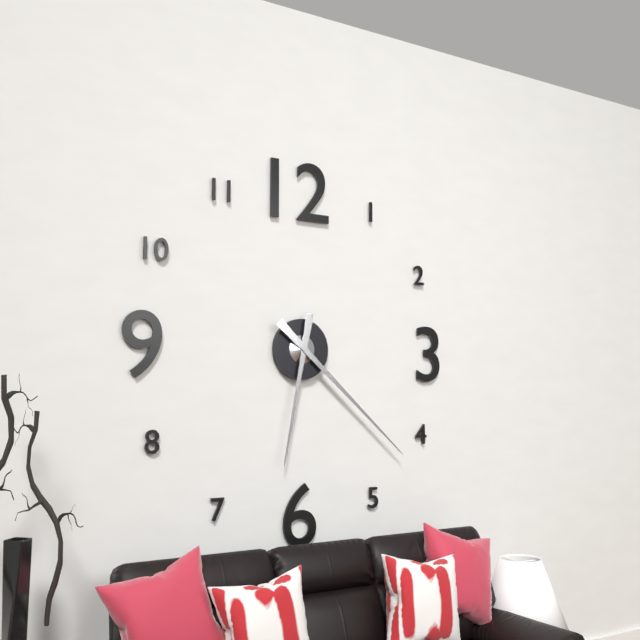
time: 6:22
